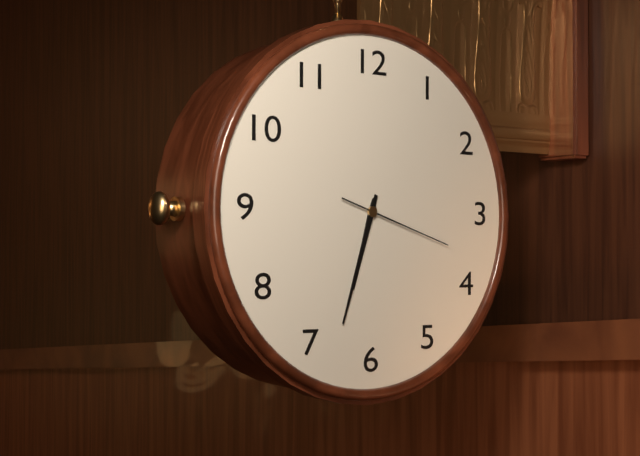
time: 6:33:18
